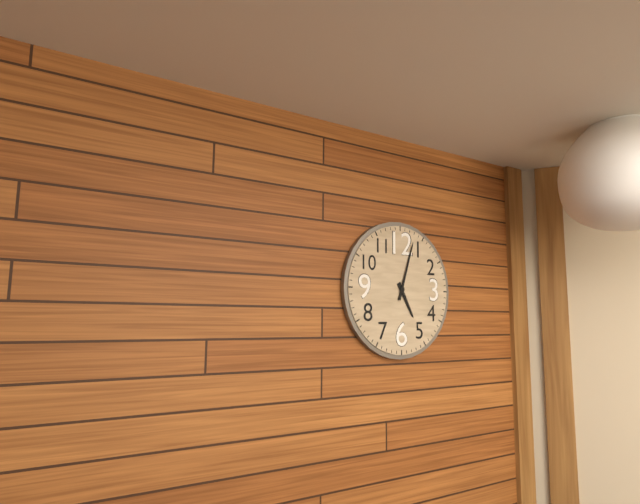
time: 5:03
